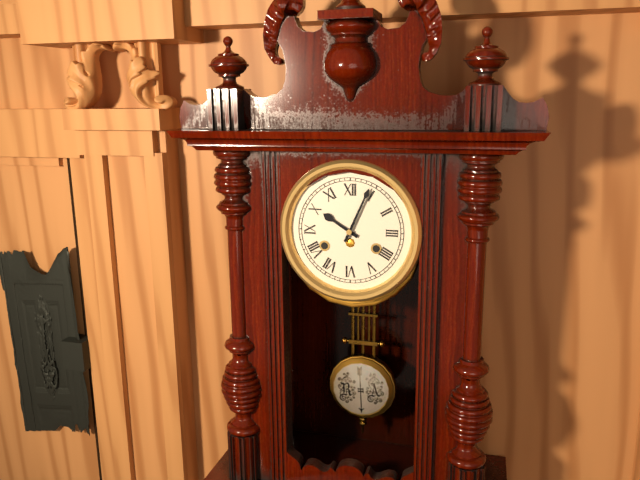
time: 10:04
